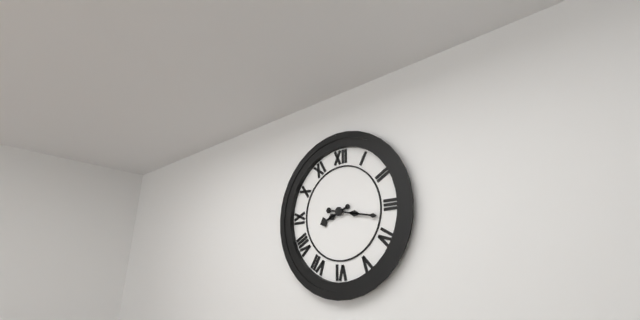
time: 8:17
